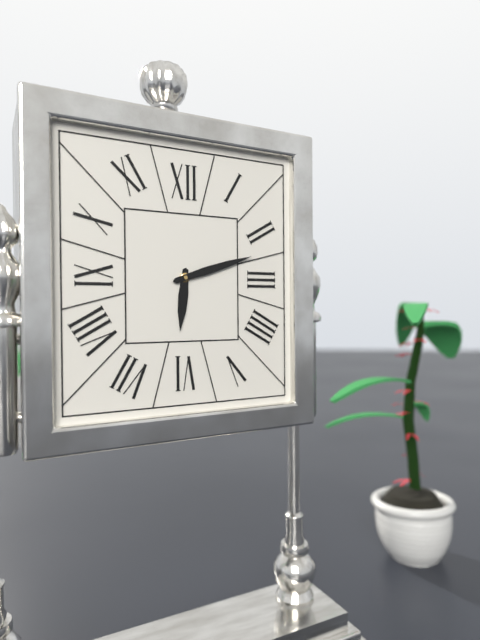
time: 6:12
